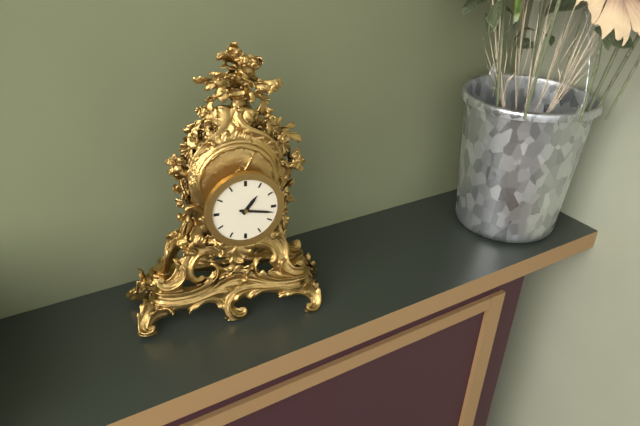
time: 1:17
